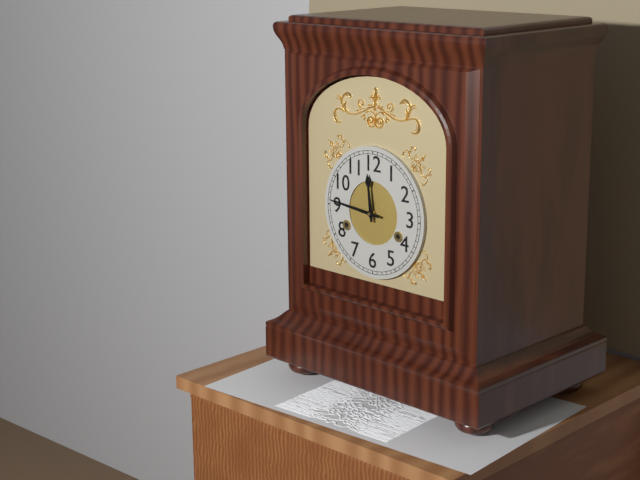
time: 11:46
